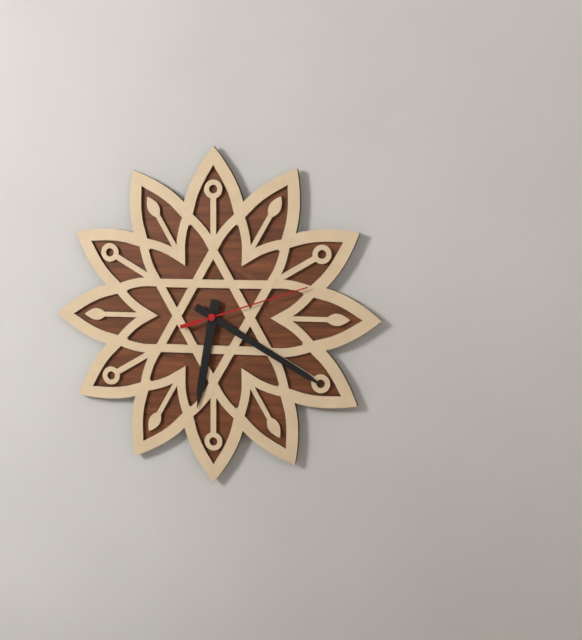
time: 6:20:12
